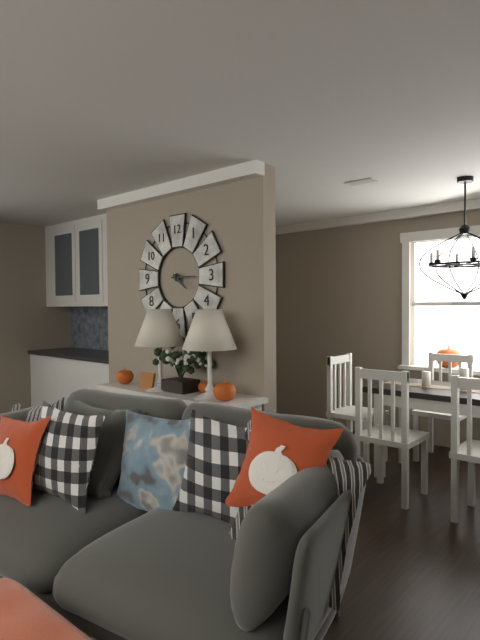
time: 4:15
